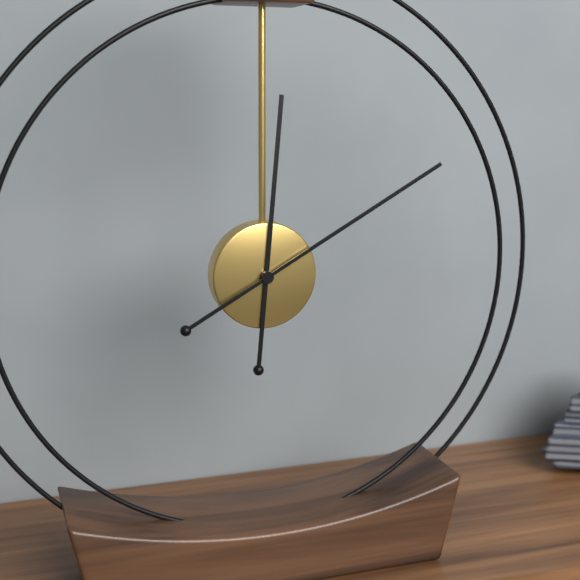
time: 12:10
